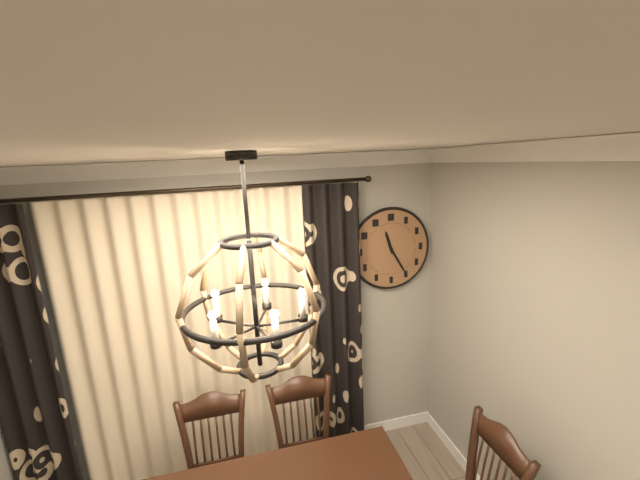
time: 11:25
